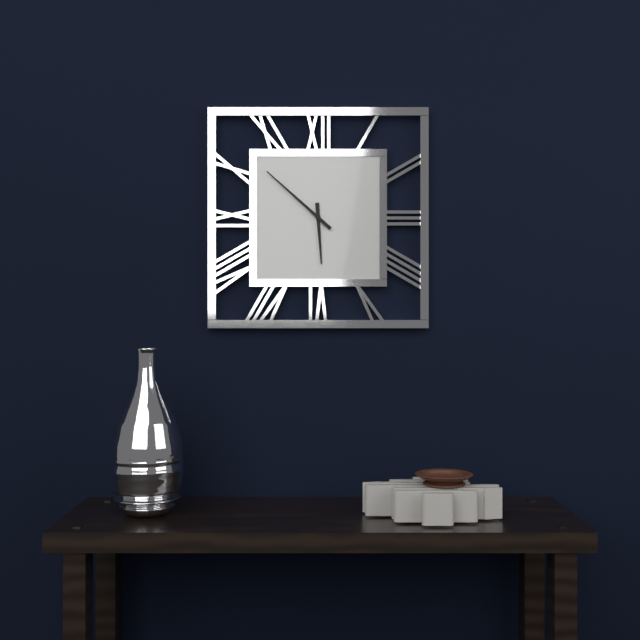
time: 5:52
